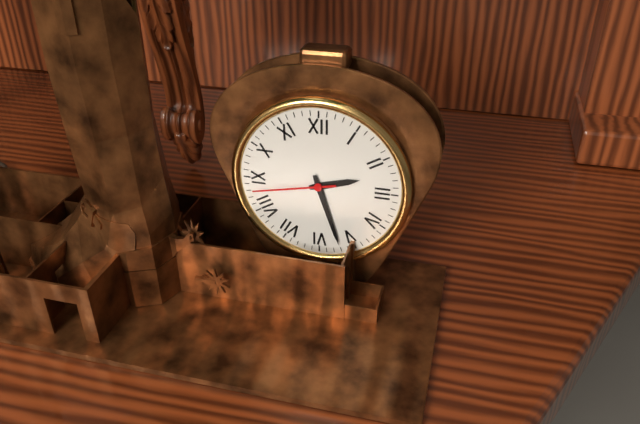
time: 2:27:43
